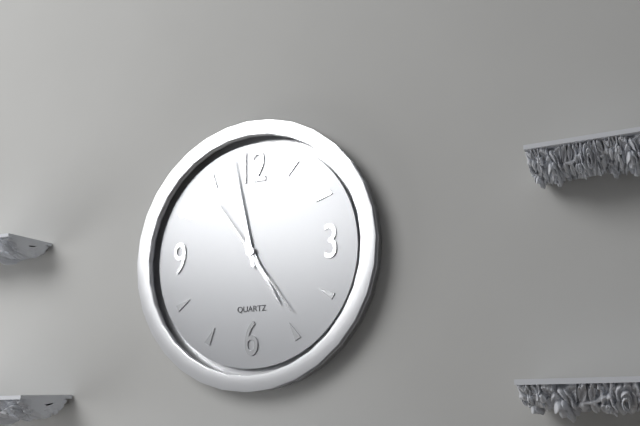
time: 4:58:24
